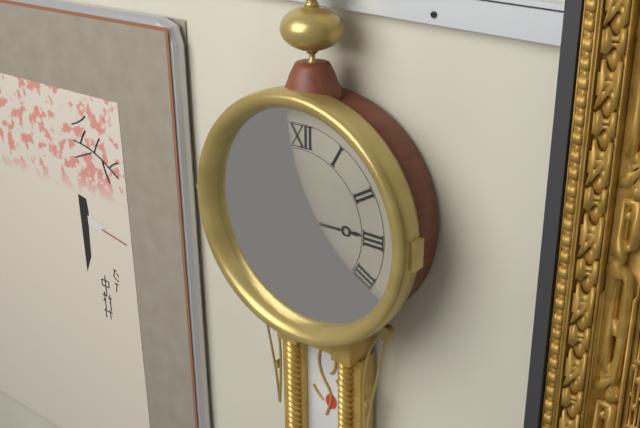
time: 2:56
